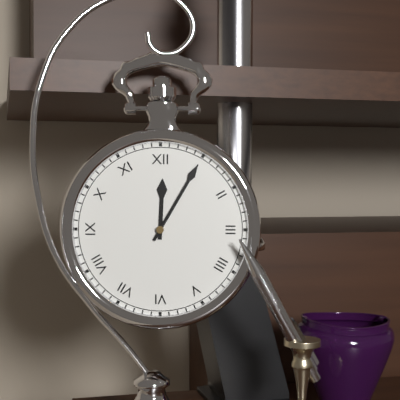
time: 12:05
